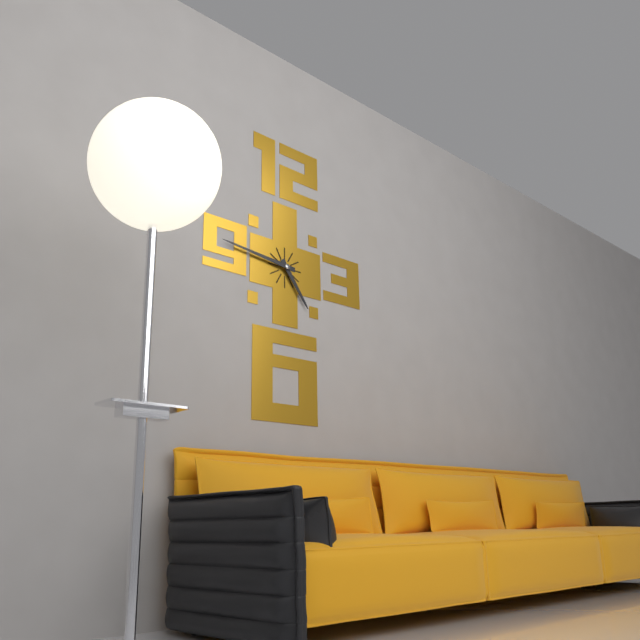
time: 4:46
